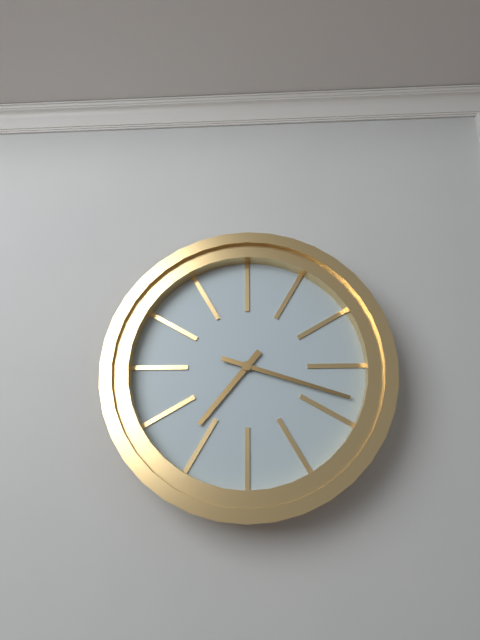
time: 7:18
